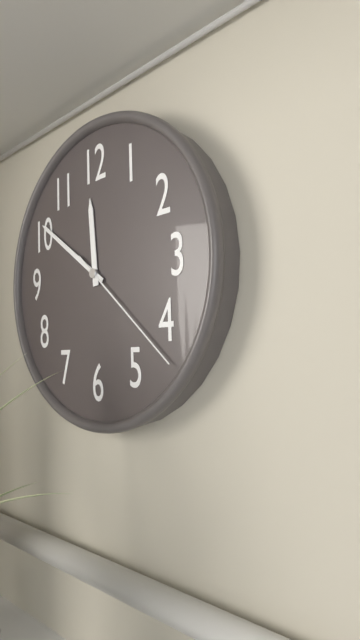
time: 11:51:22
